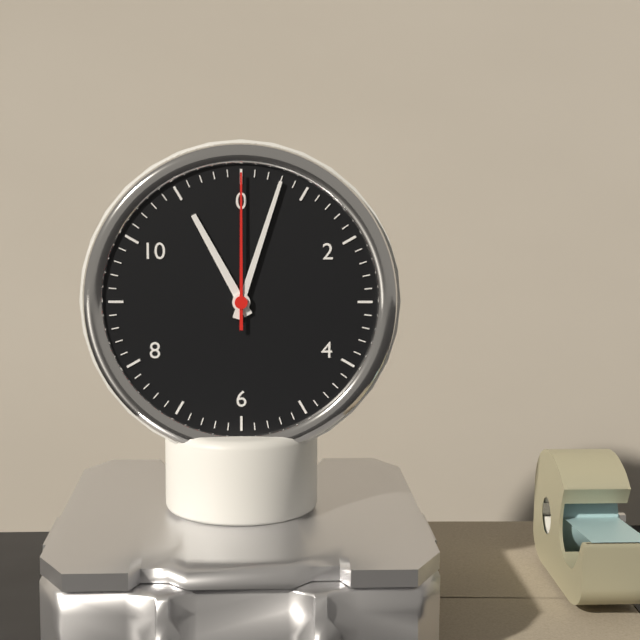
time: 11:03:00
